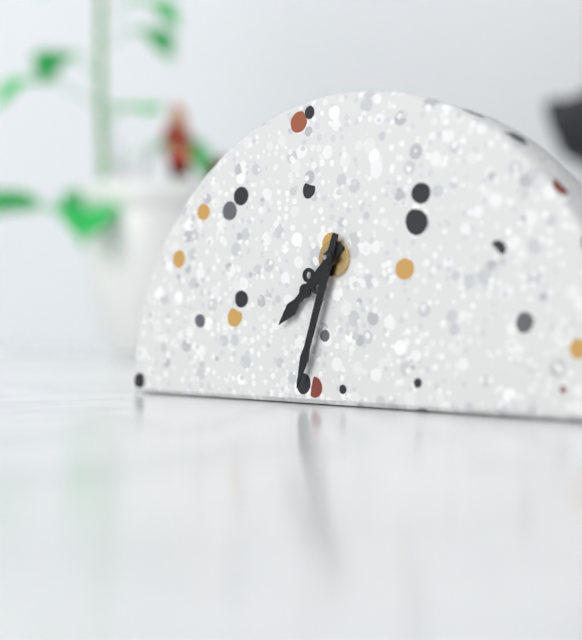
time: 7:33
